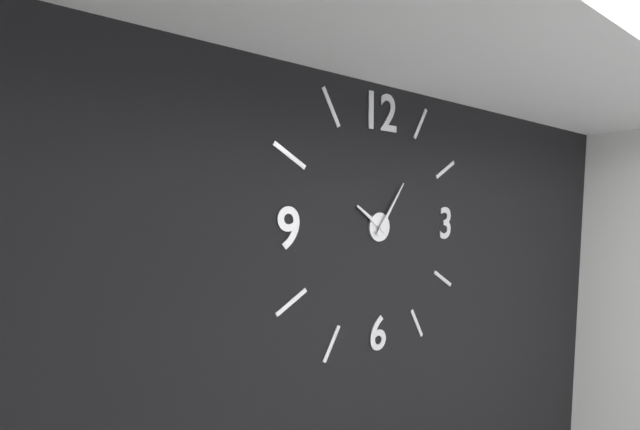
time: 10:06
